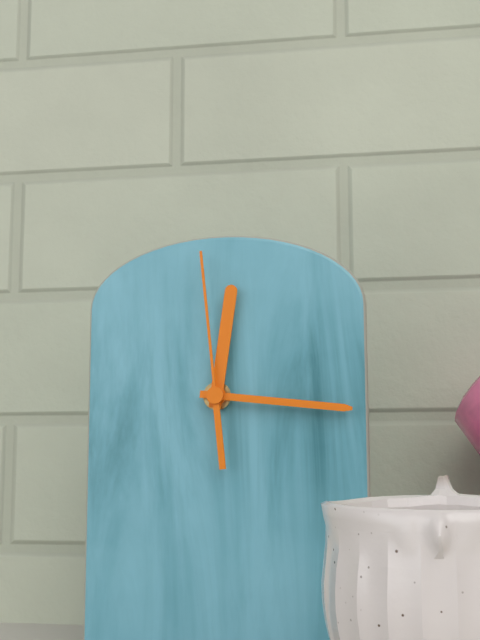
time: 12:16:59
